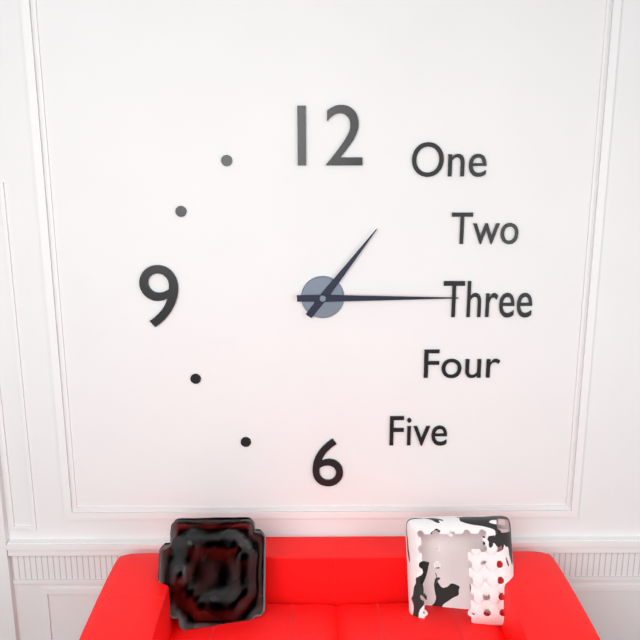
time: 1:15
